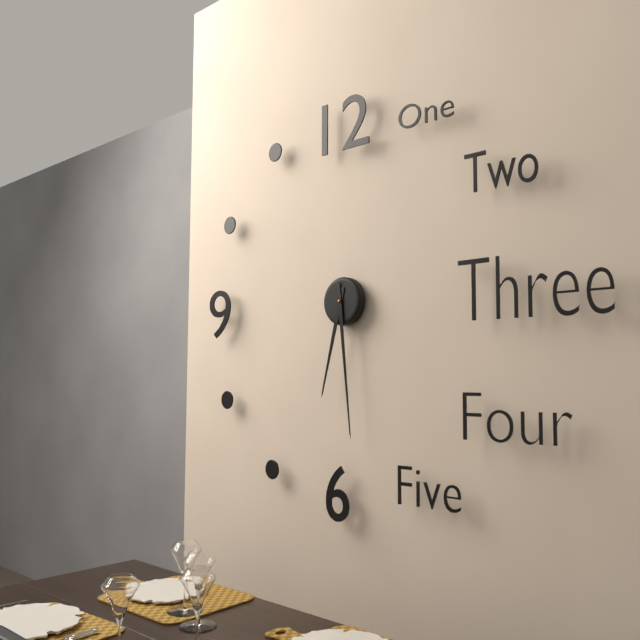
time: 6:29
